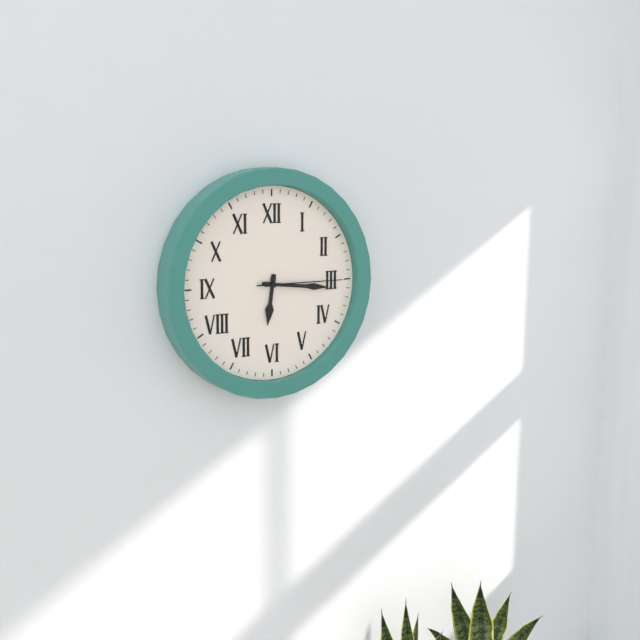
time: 6:16:15
